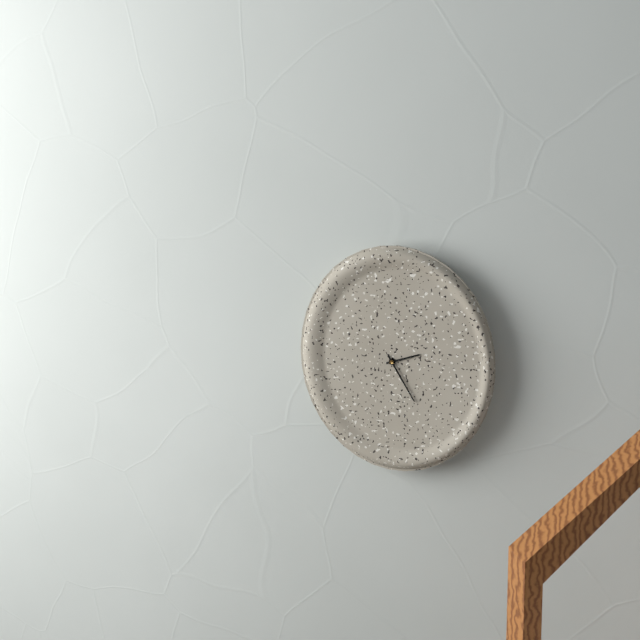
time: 2:25
